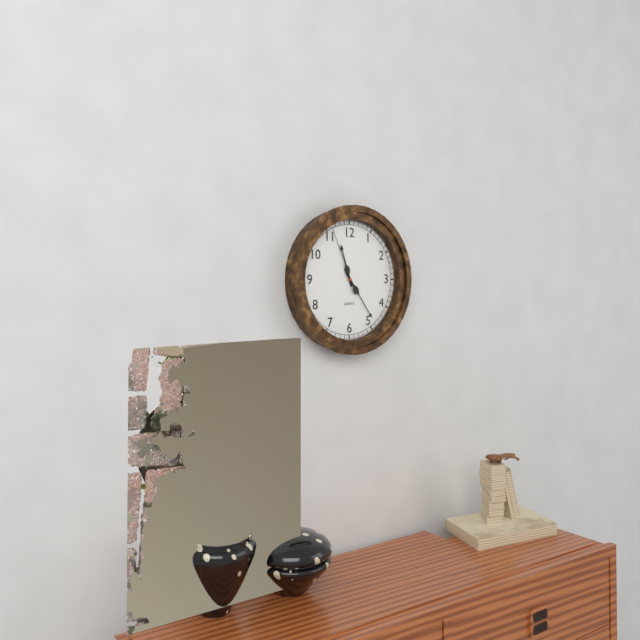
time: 11:24:56
